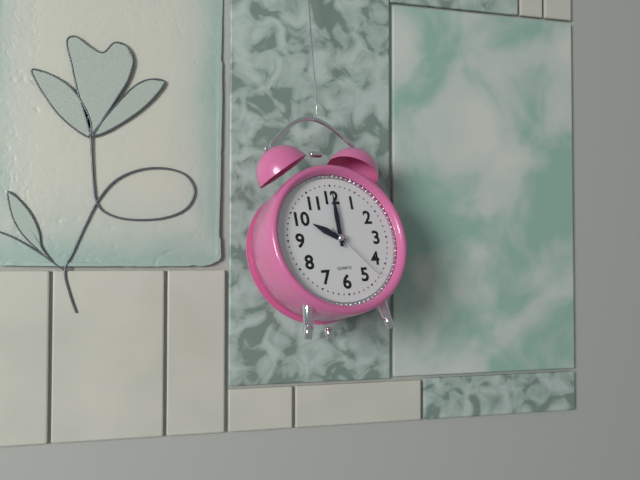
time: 10:00:23
